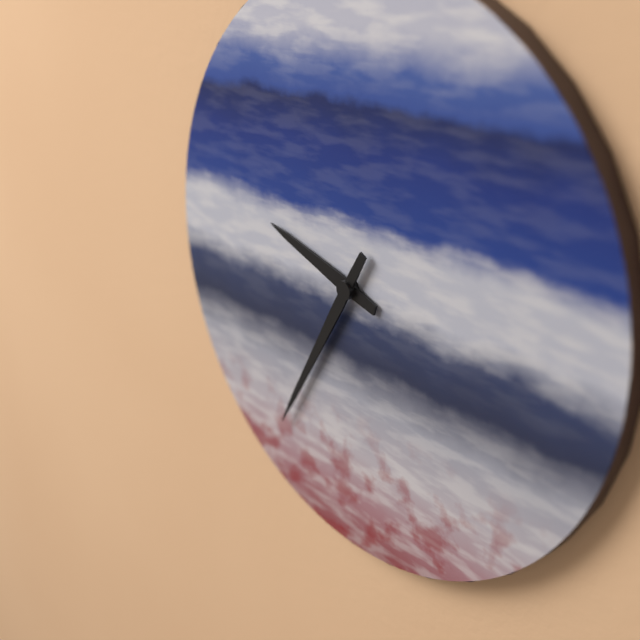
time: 9:35
